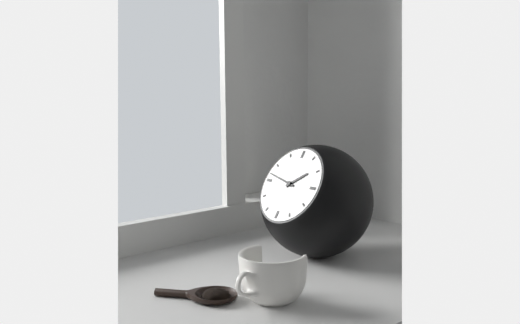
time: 1:47
